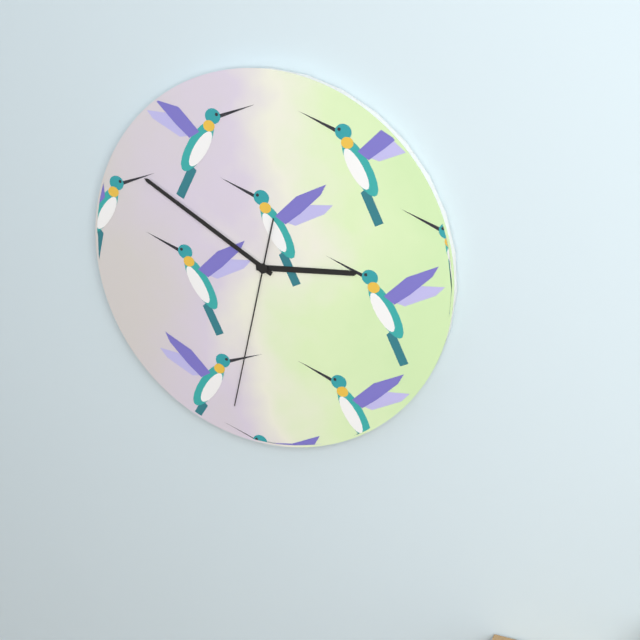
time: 2:50:32
